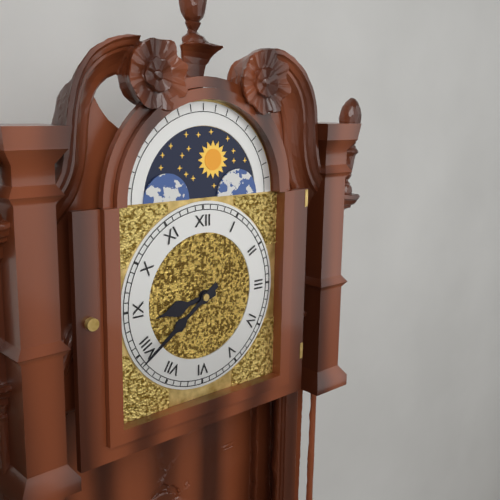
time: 8:39
